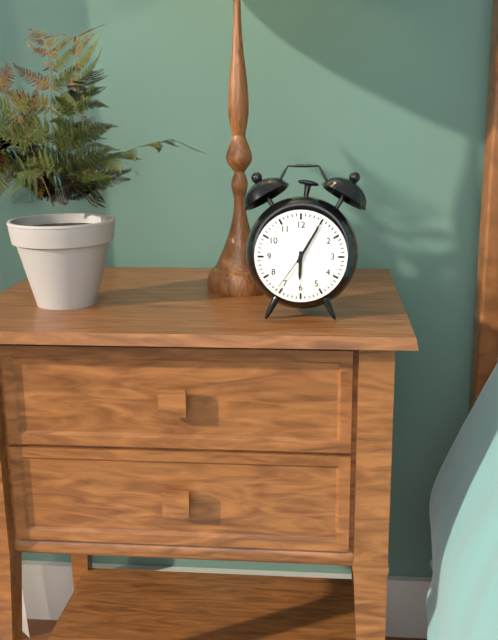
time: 6:05:36
